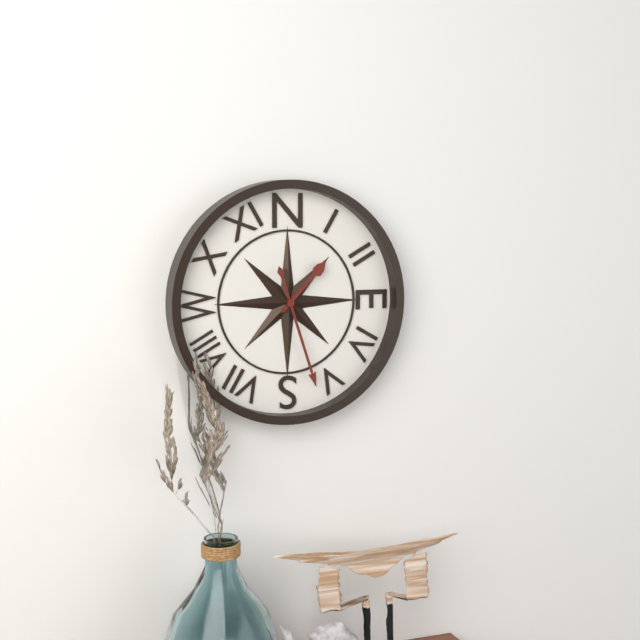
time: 1:27
